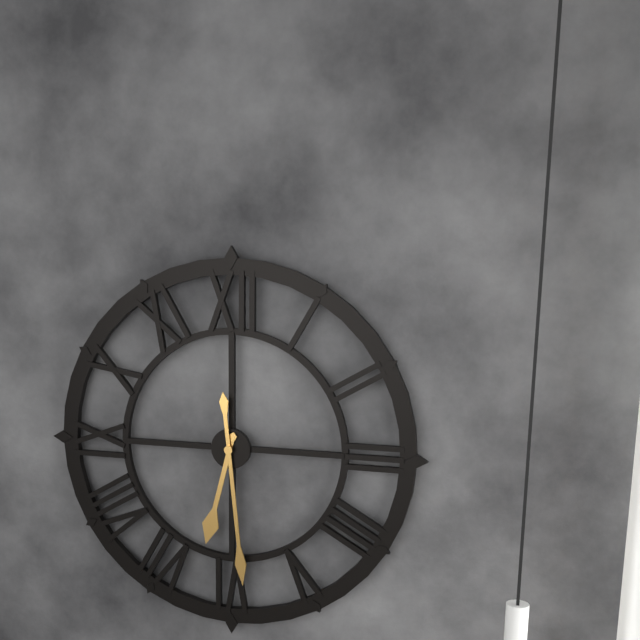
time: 6:29
